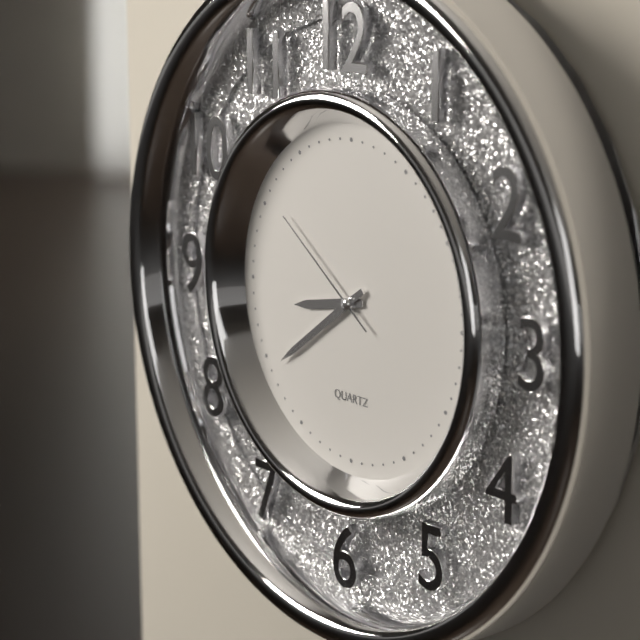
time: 8:39:51
